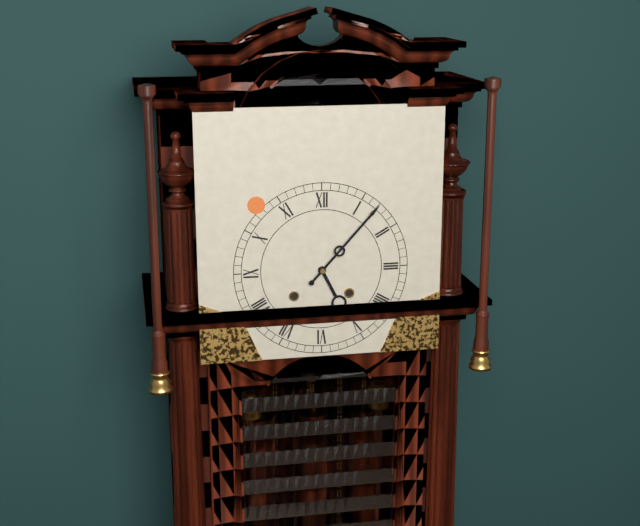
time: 5:07
